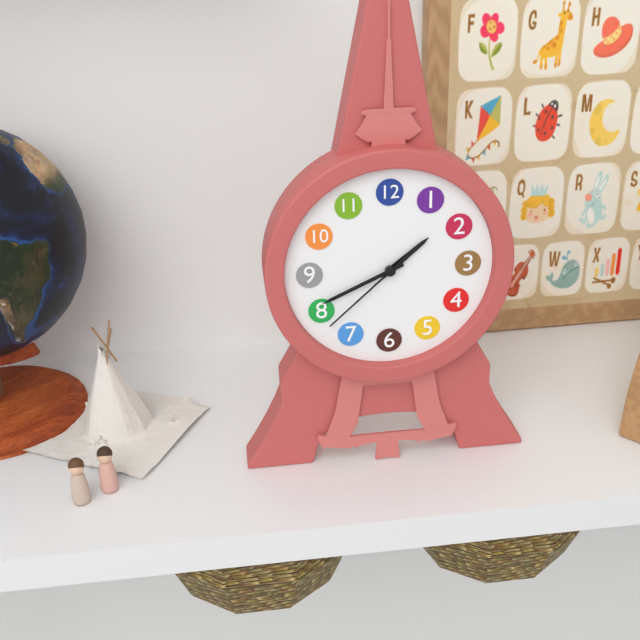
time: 1:41:38
